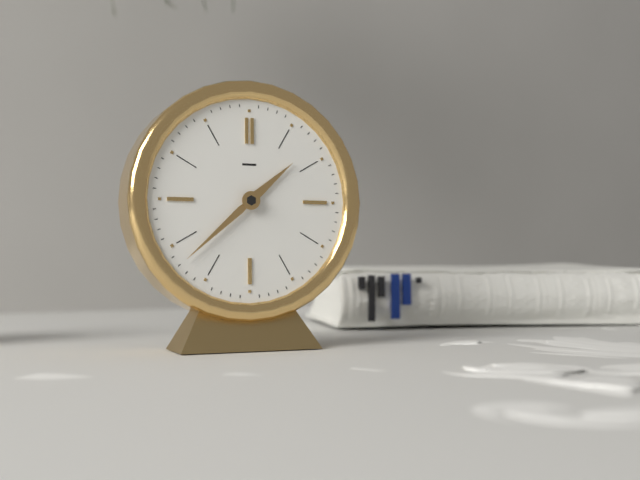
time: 1:38
